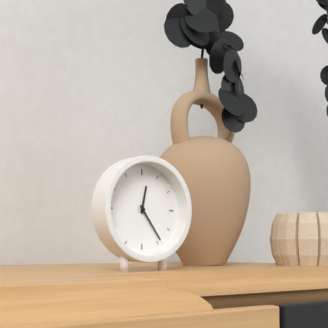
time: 12:24
